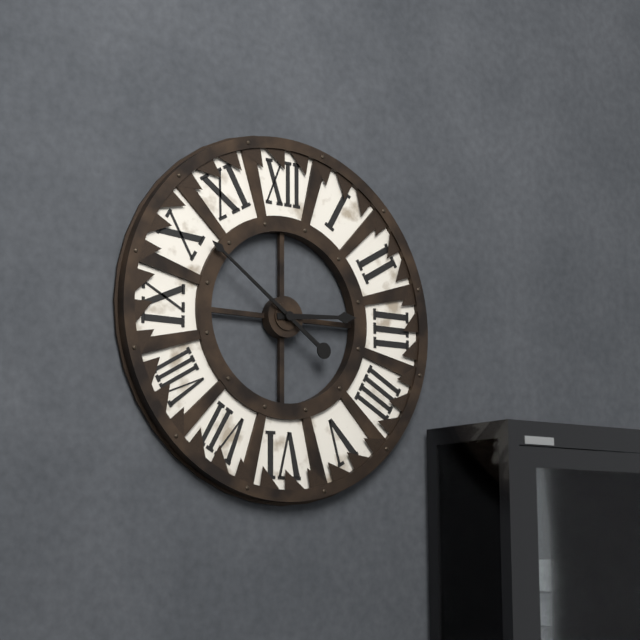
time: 2:51
